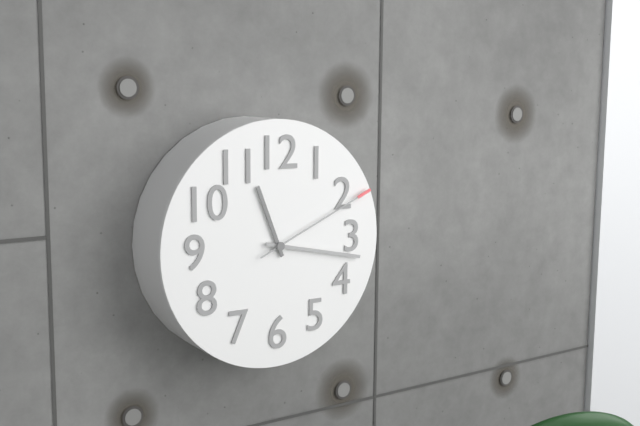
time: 11:17:11
